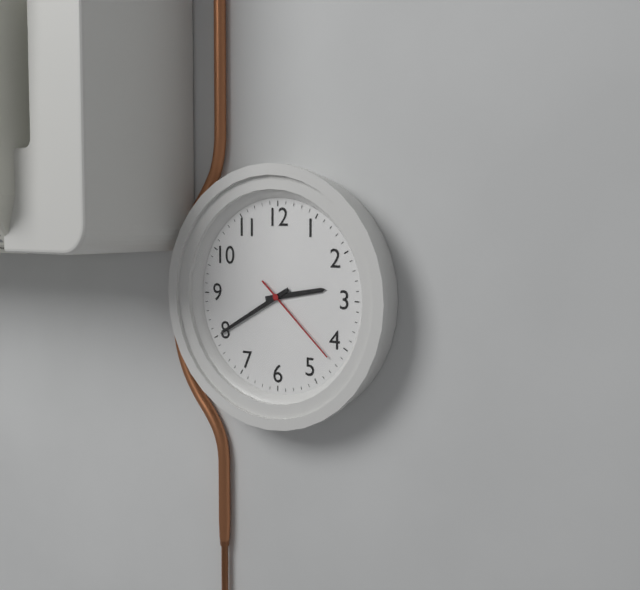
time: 2:40:22
